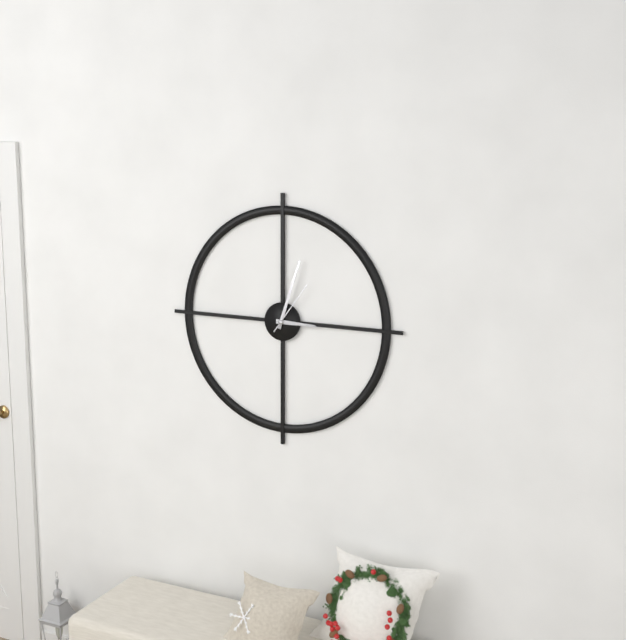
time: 3:03:06
